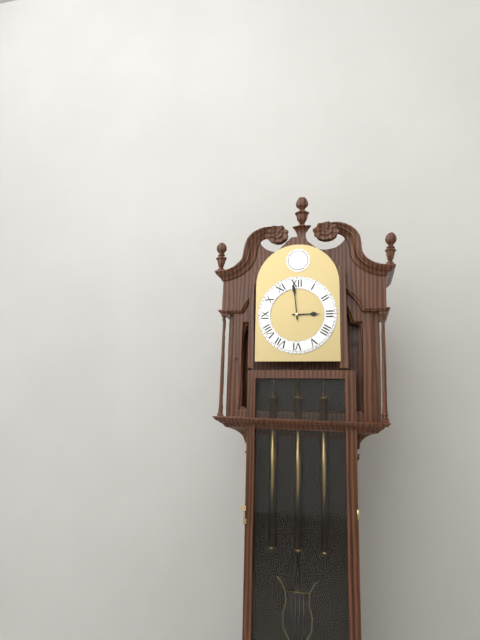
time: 2:59
